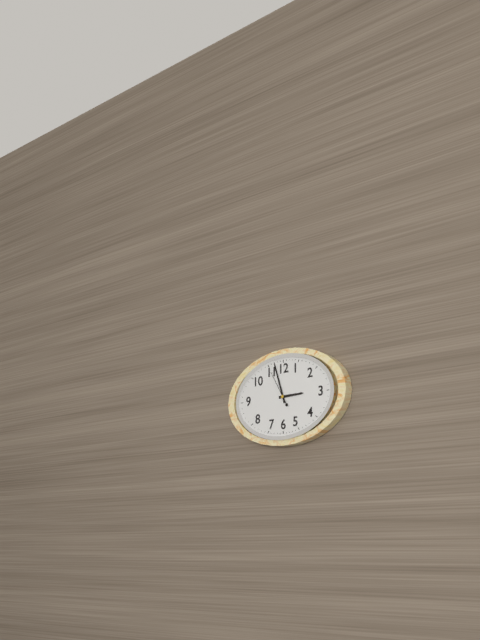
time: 2:57
